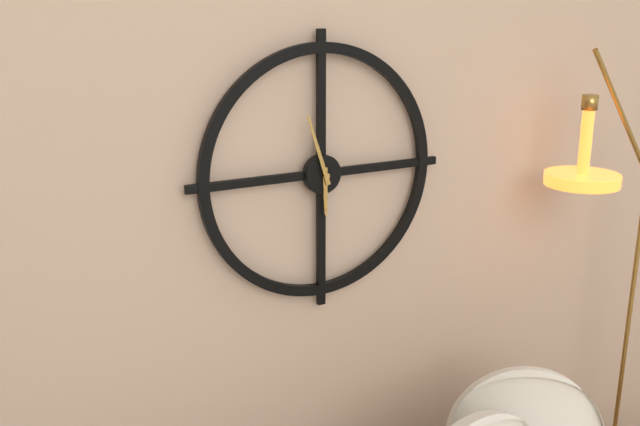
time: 5:57
